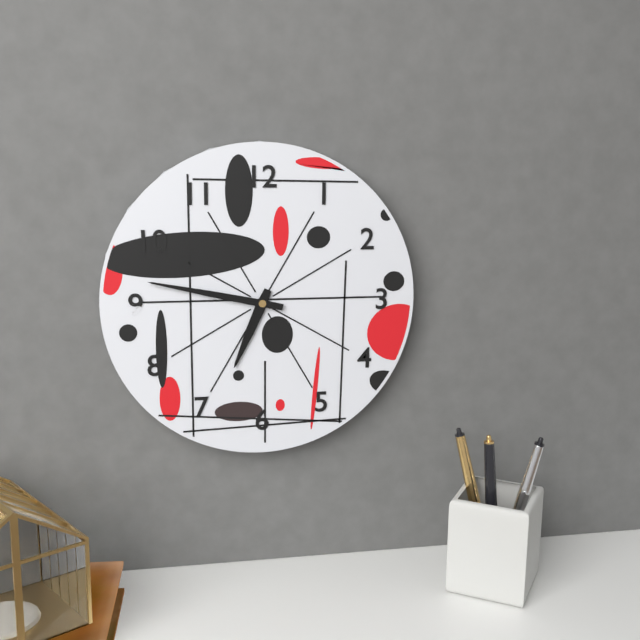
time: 6:47
